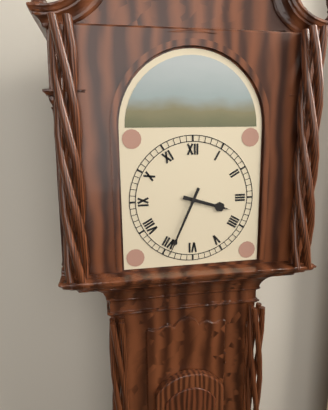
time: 3:34
